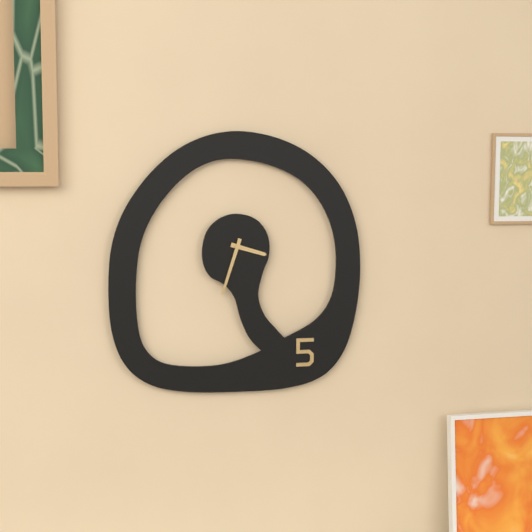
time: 3:33
